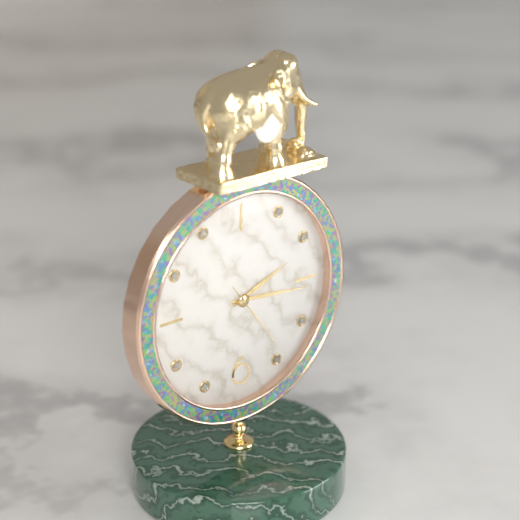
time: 2:16:24
